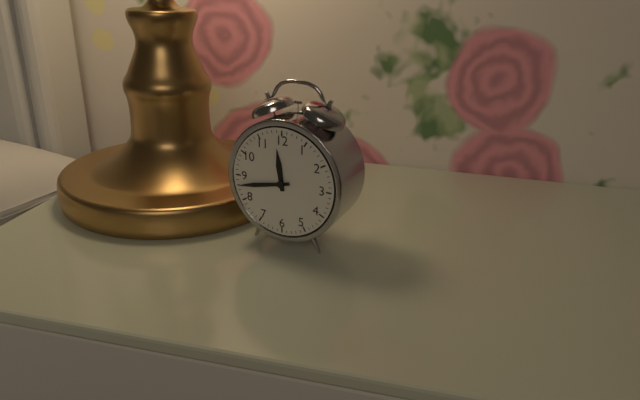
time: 11:43
